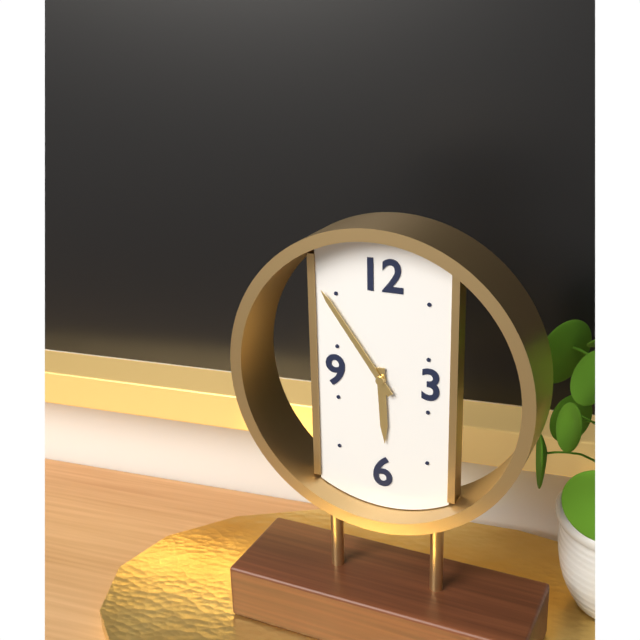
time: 5:54
